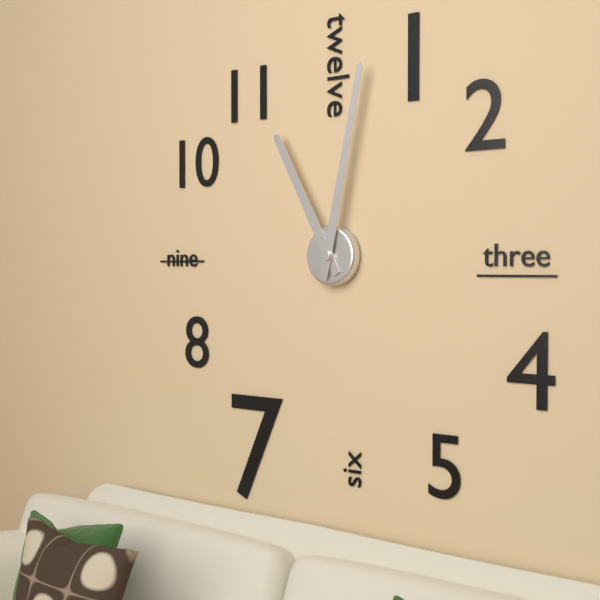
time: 11:02
